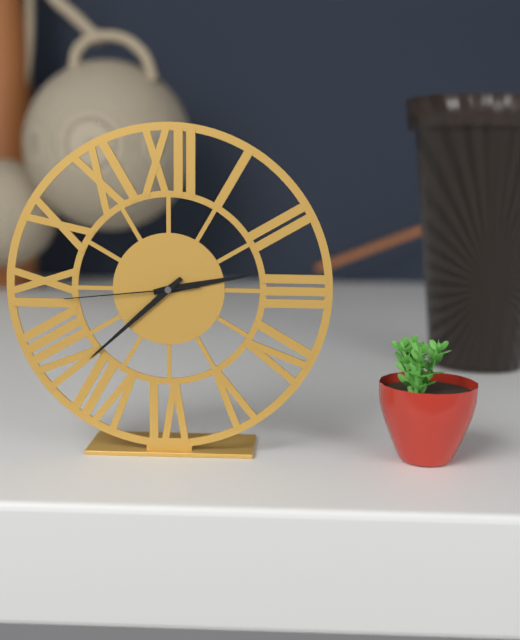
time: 2:38:44
